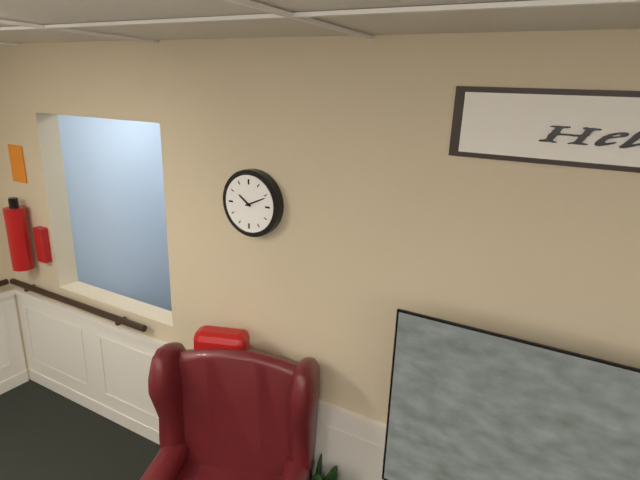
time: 10:11
